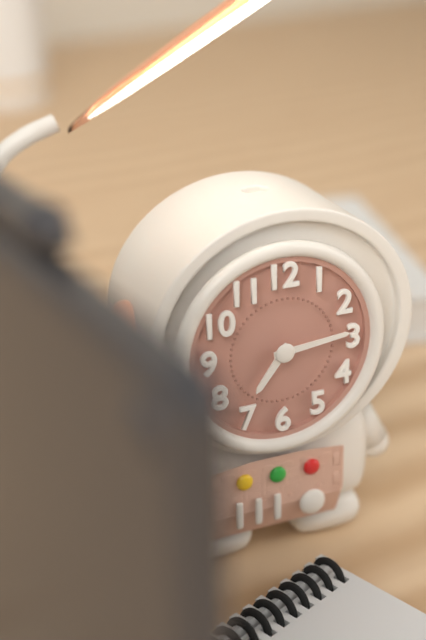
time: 7:14
